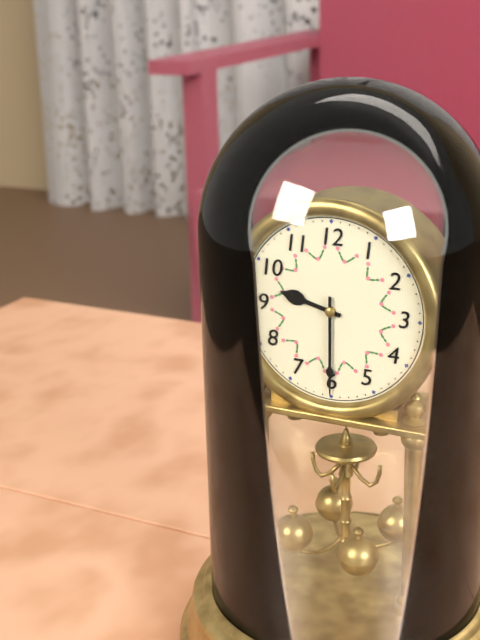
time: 9:30
